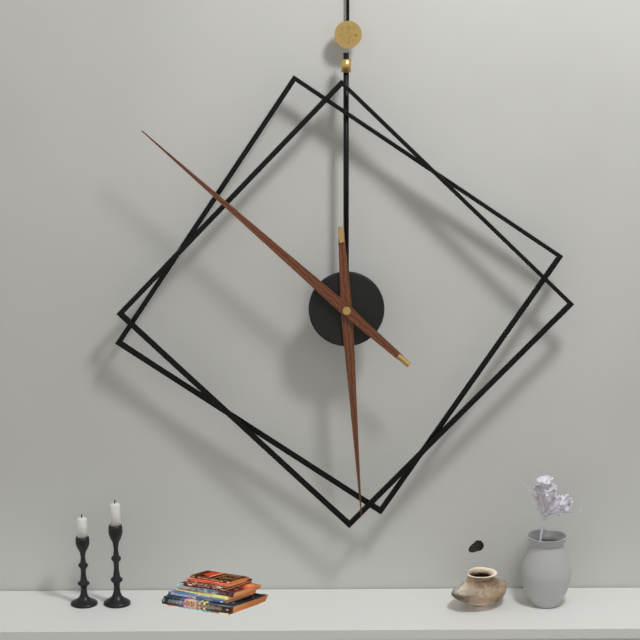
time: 5:52
